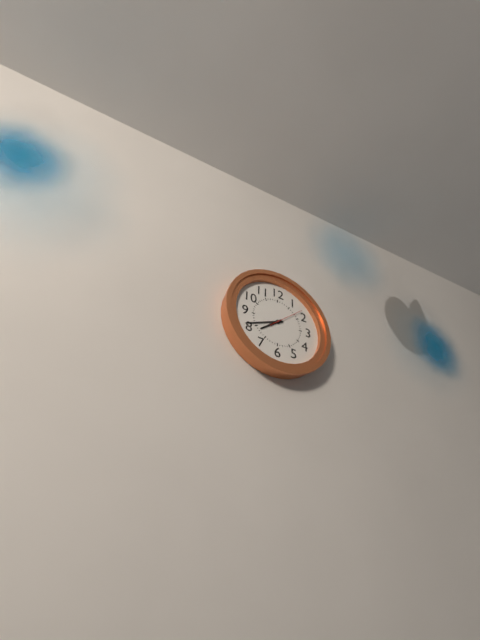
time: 7:41
